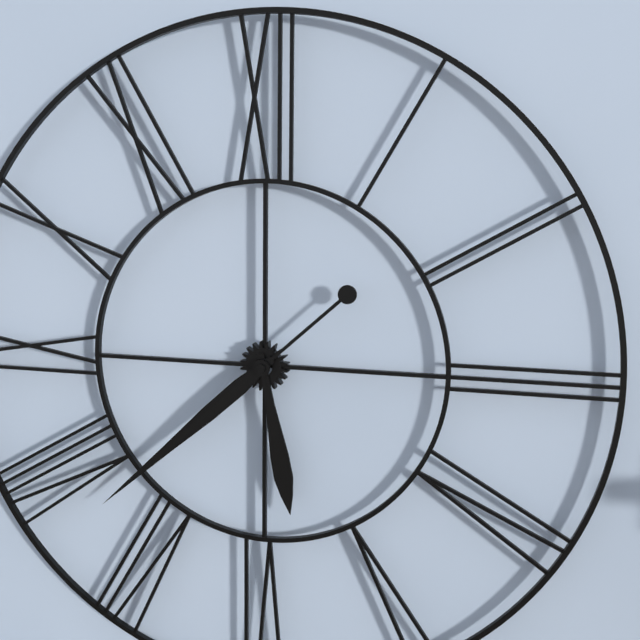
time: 5:38
